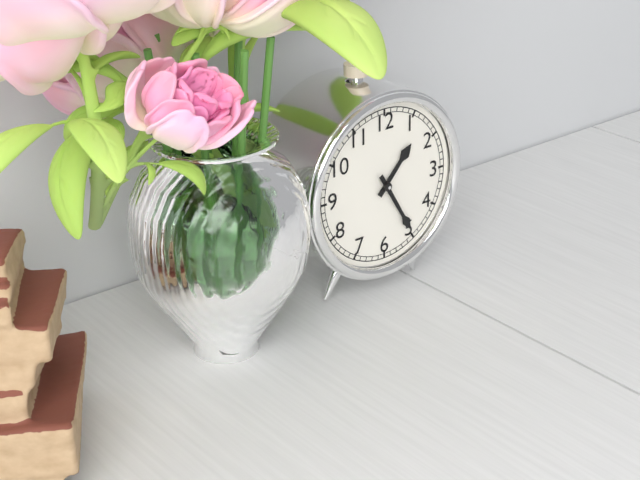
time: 1:25
